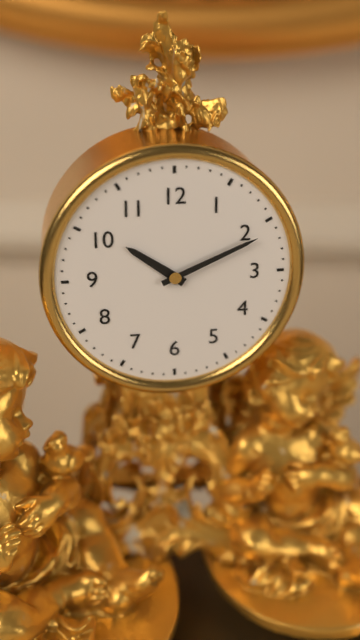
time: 10:11
